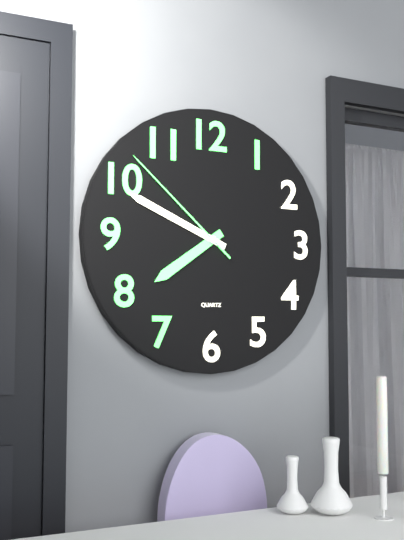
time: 7:49:52
